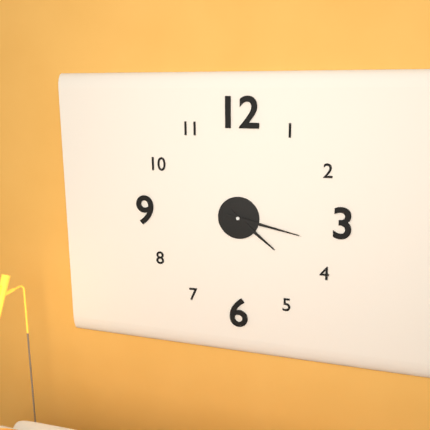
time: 4:17
